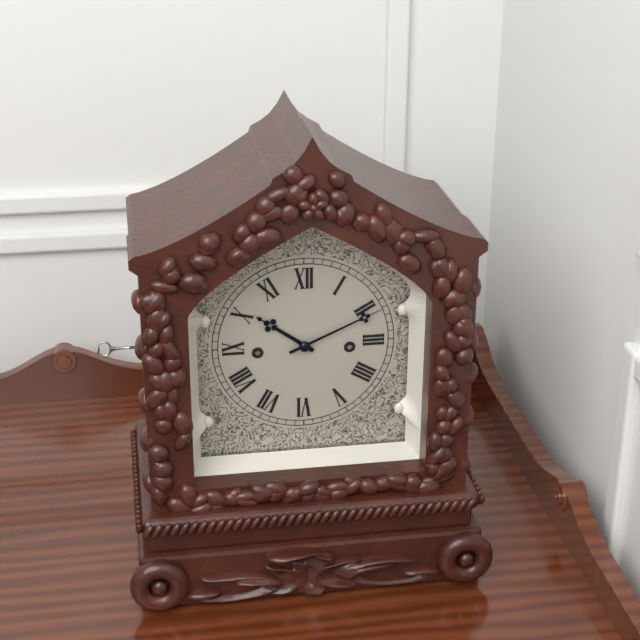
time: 10:11
